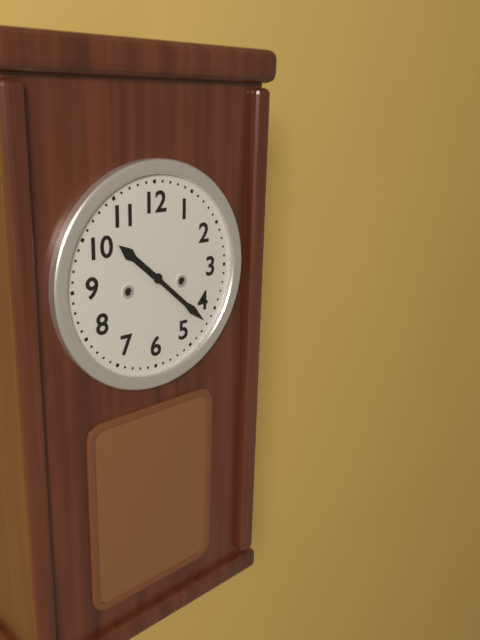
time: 10:22
